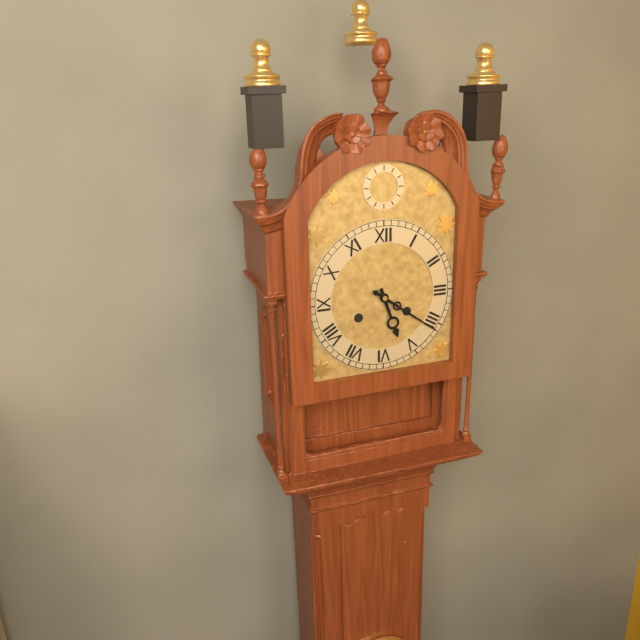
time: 5:21
